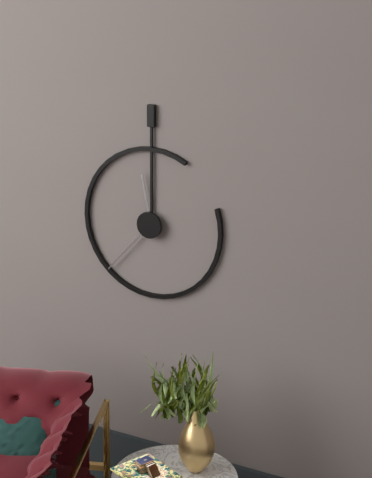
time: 11:37
